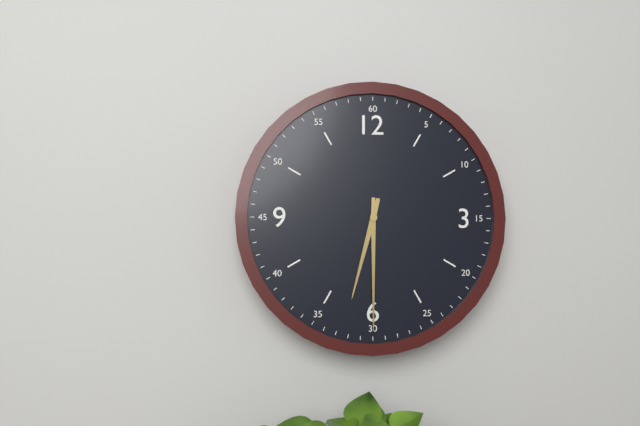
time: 6:30
